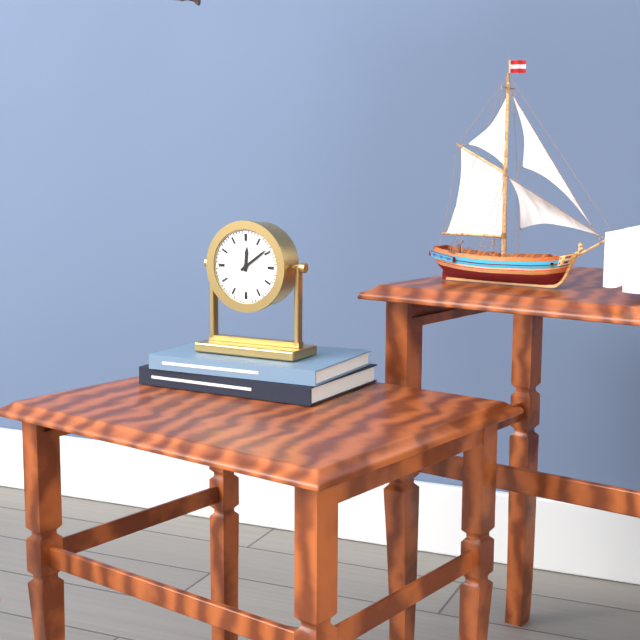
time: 12:09
